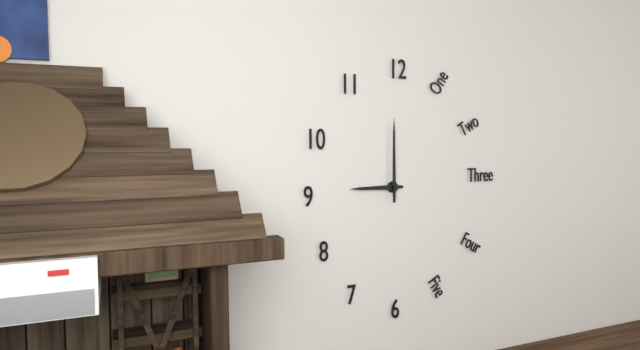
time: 9:00
